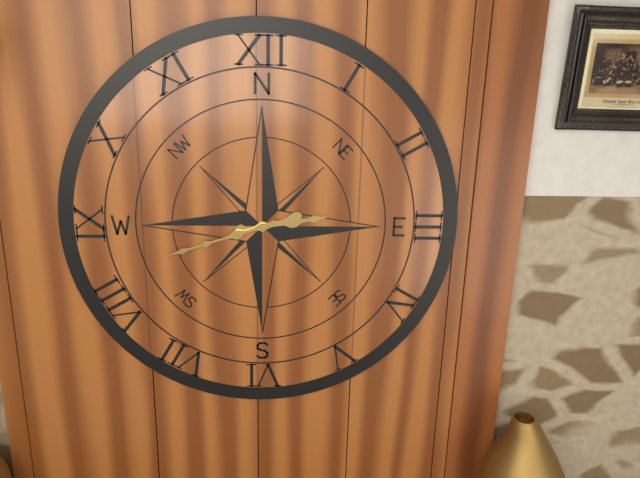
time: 2:42
